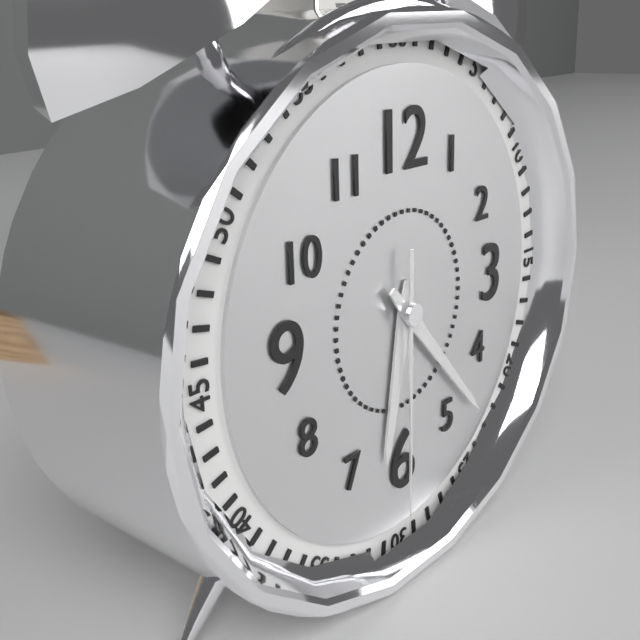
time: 6:23:30
